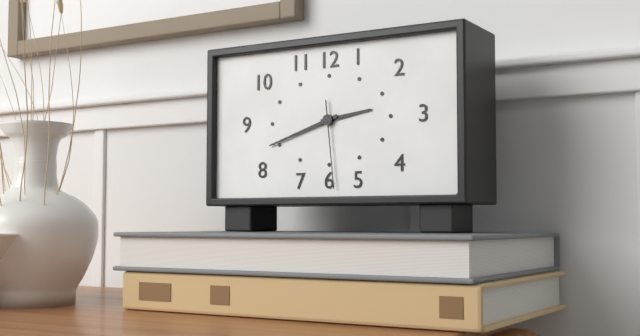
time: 2:42:29
